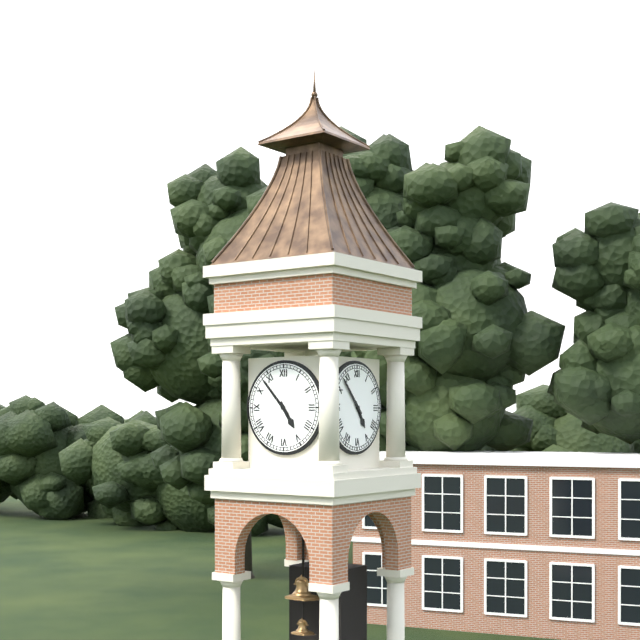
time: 4:53
